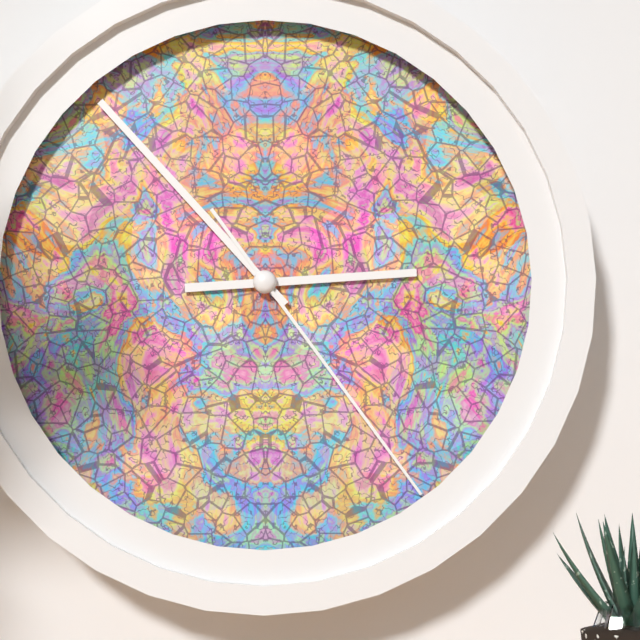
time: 2:53:24
